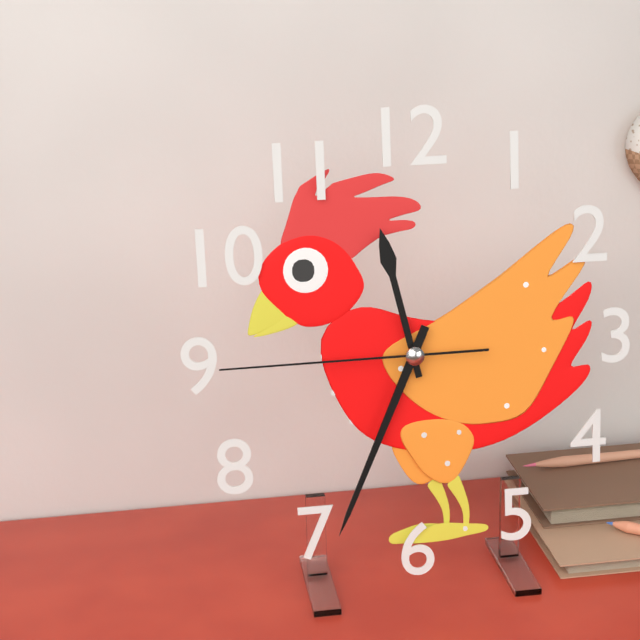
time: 11:34:45
